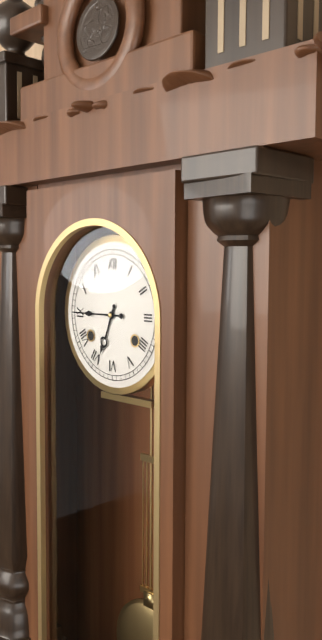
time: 6:45
